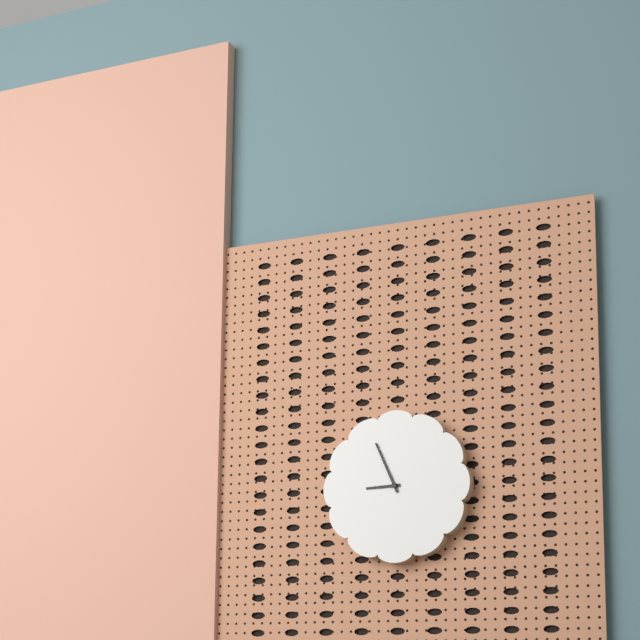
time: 8:56
